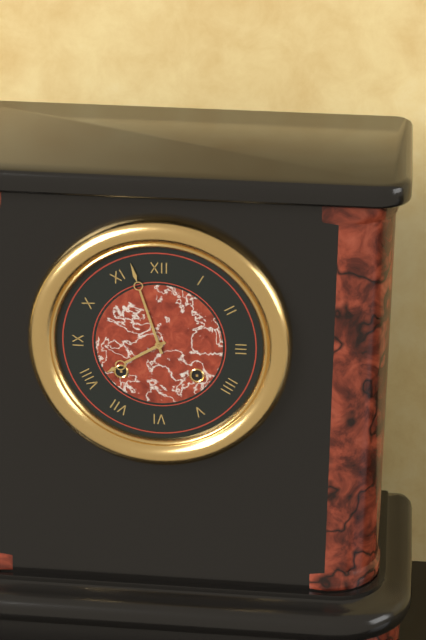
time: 7:57
